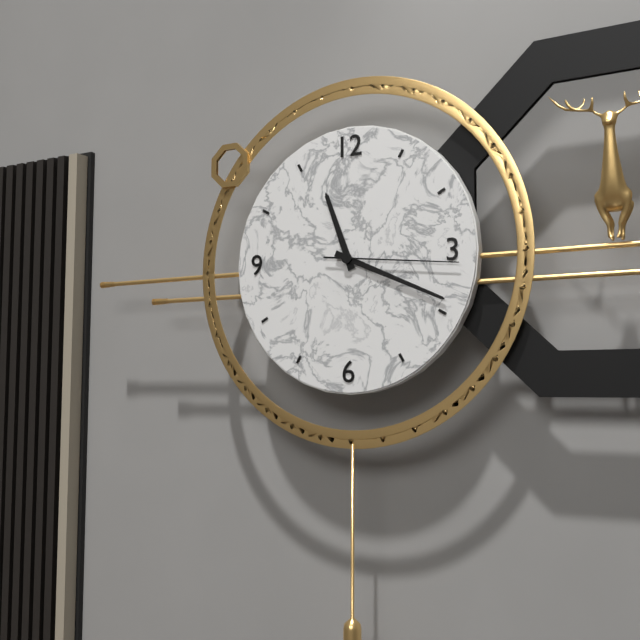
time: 11:19:16
